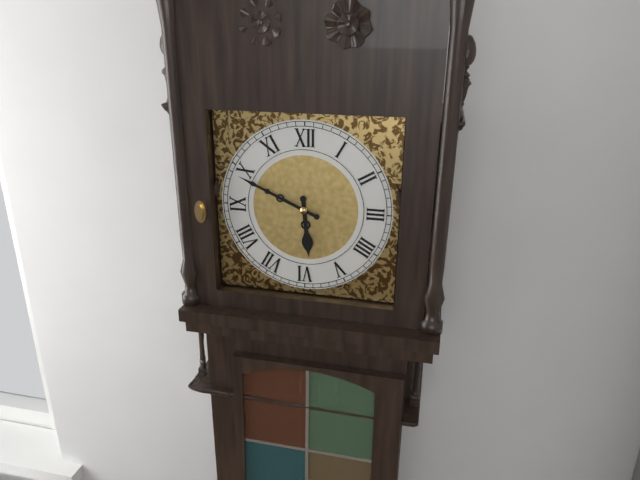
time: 5:49
